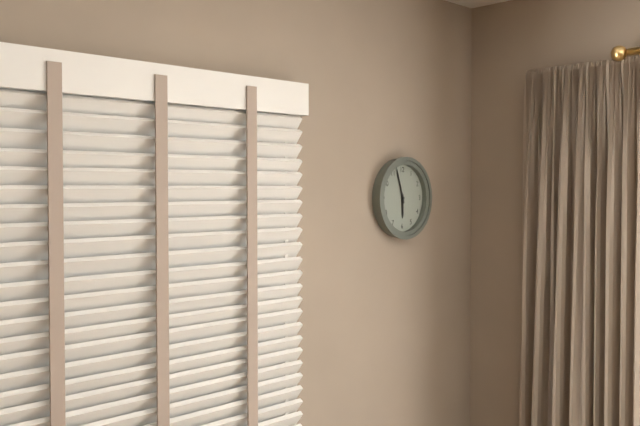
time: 5:57
